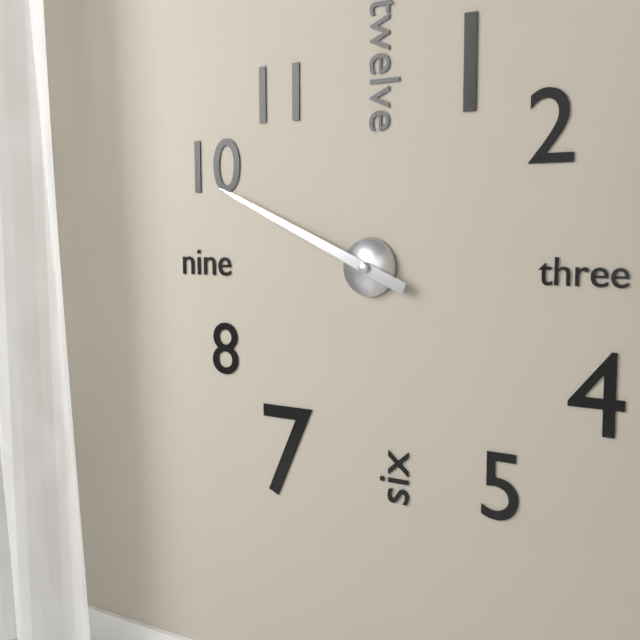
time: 9:49
